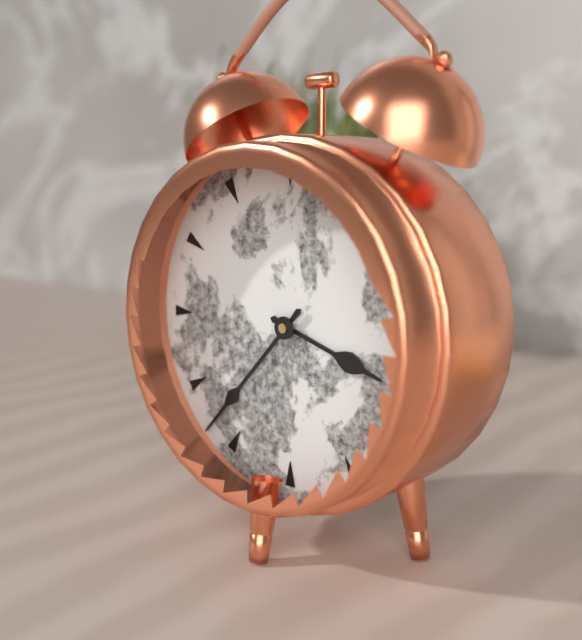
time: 3:37
